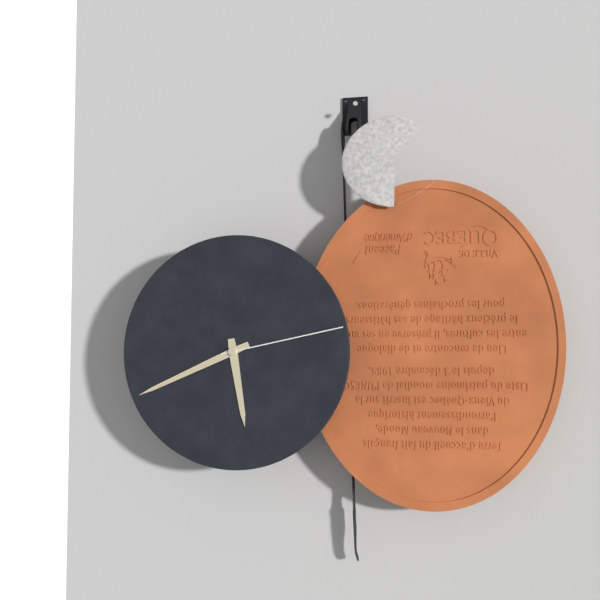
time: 5:41:13
